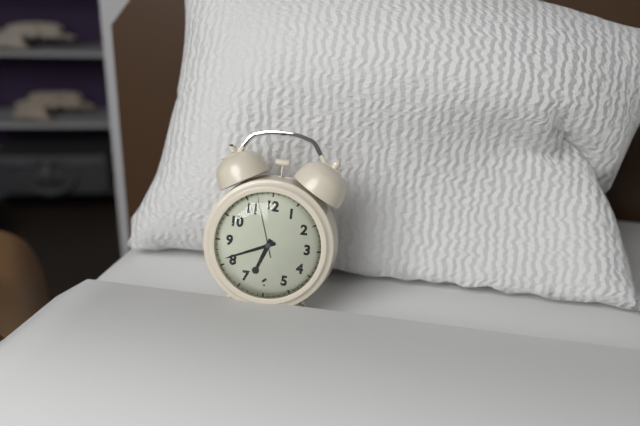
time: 6:41:57
